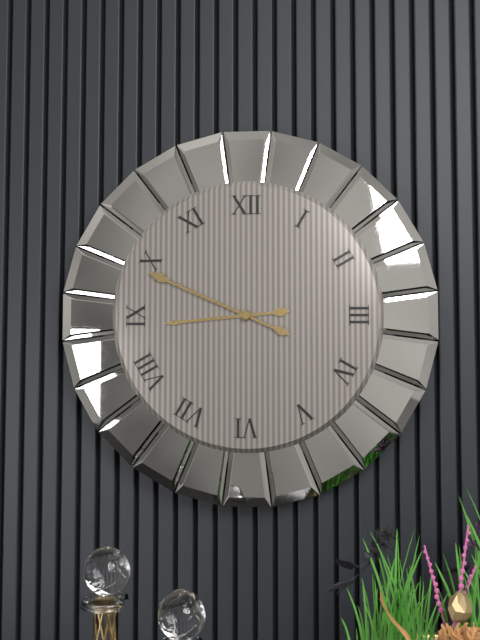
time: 8:49
